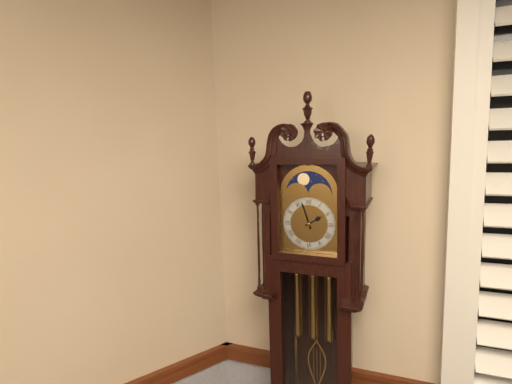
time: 1:57
